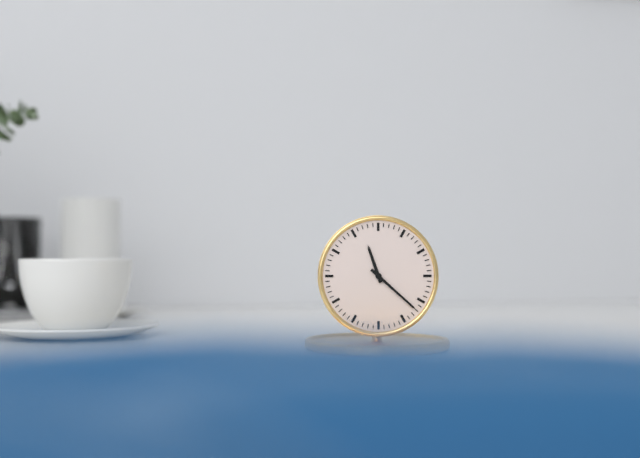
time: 11:22
